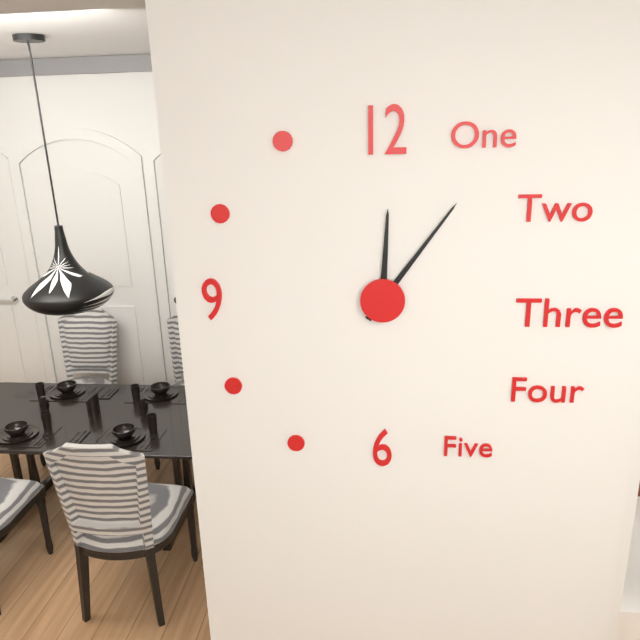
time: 12:06
